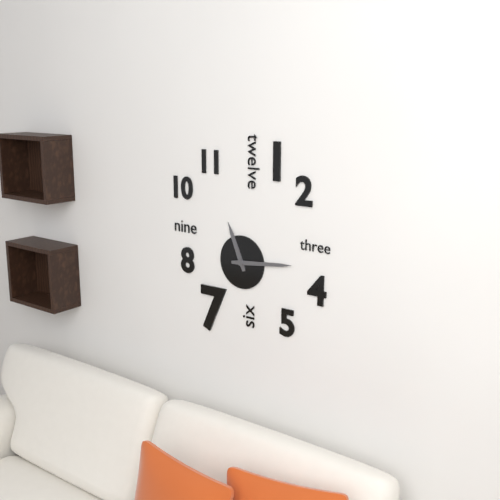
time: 11:14
